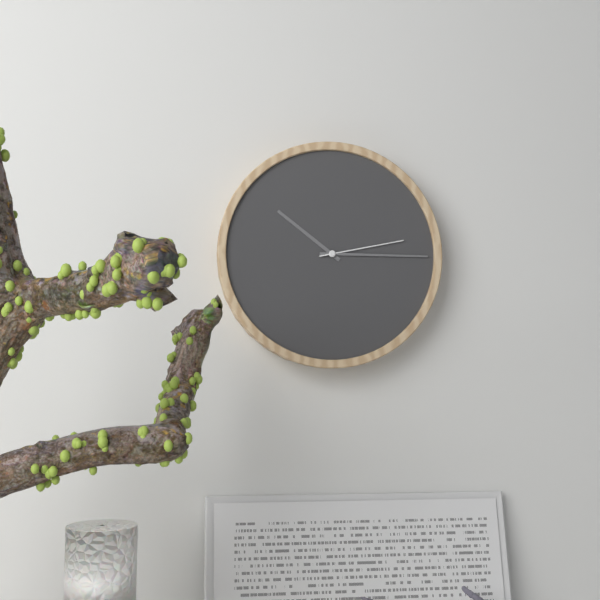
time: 10:15:13
